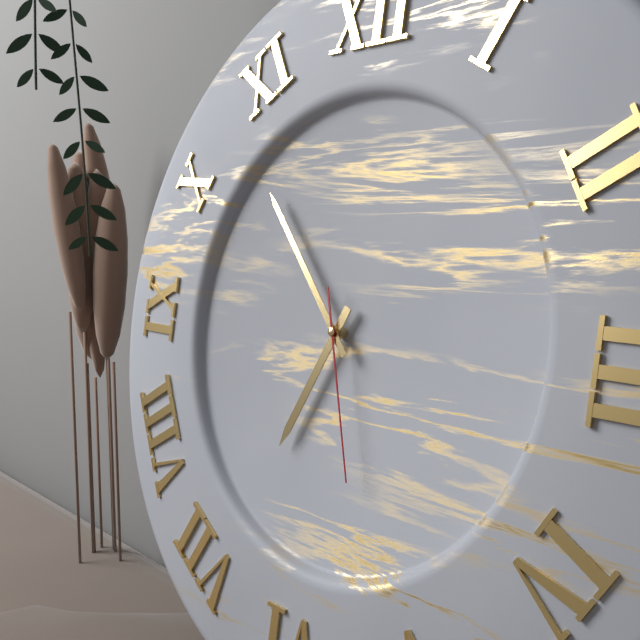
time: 6:53:27
